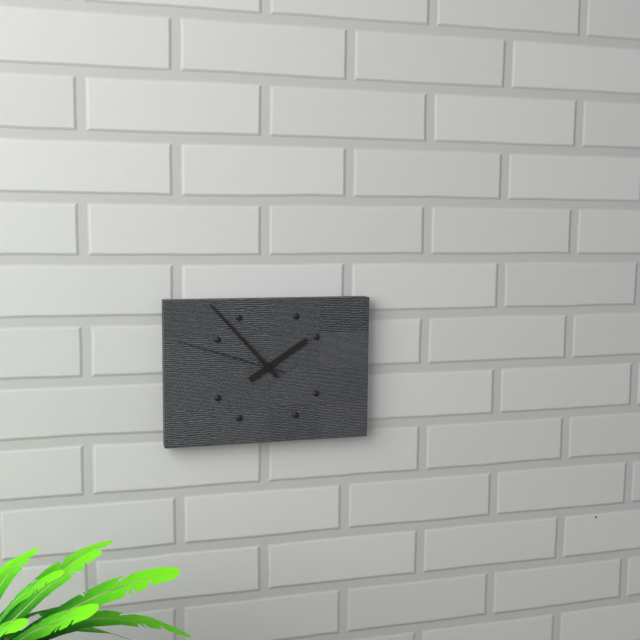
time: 1:53:48
